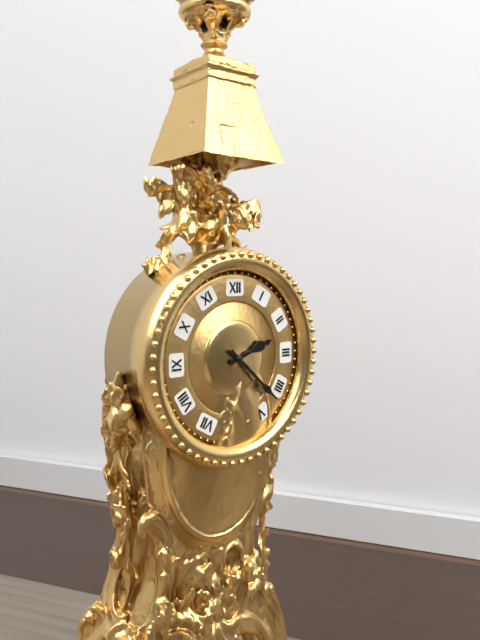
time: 2:22
